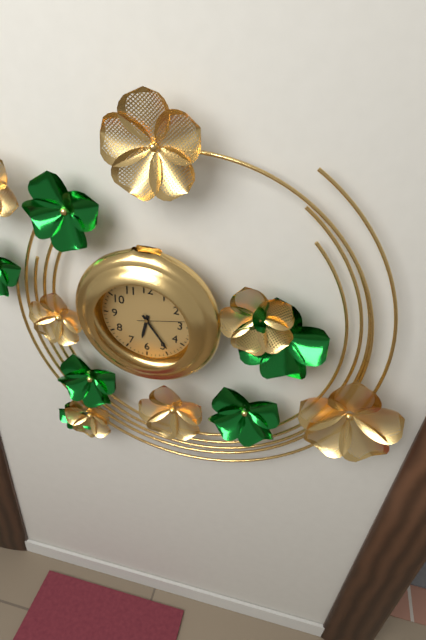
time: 6:24
